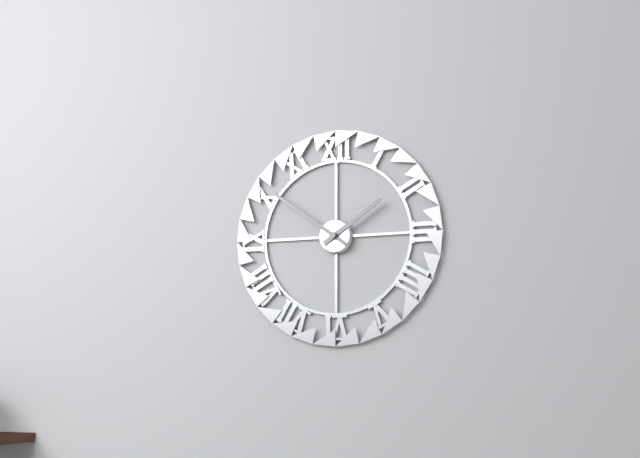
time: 1:51
